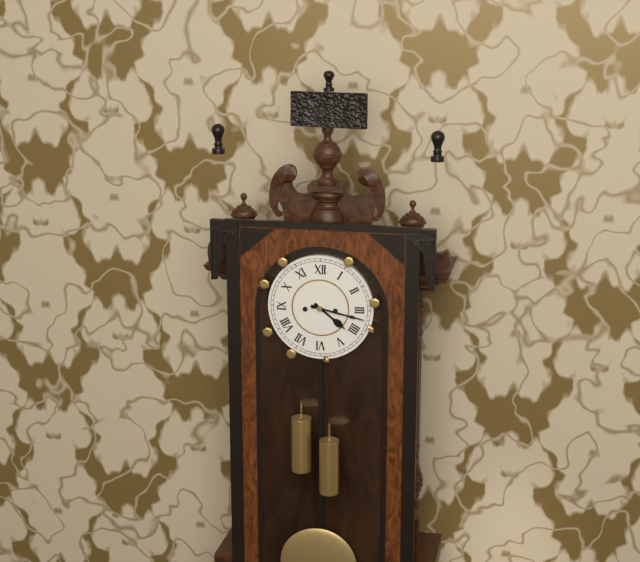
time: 4:17
